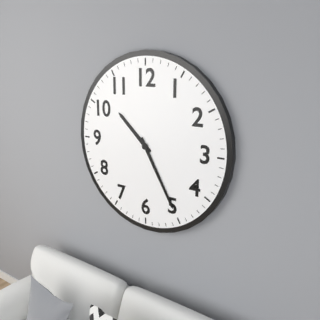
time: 10:25
